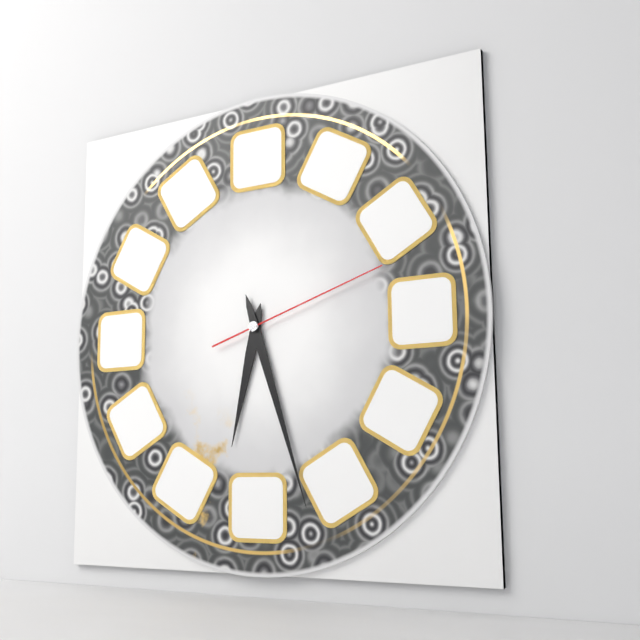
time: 6:27:12
